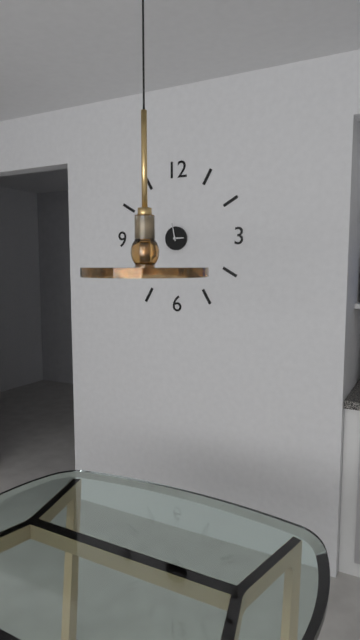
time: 2:58
